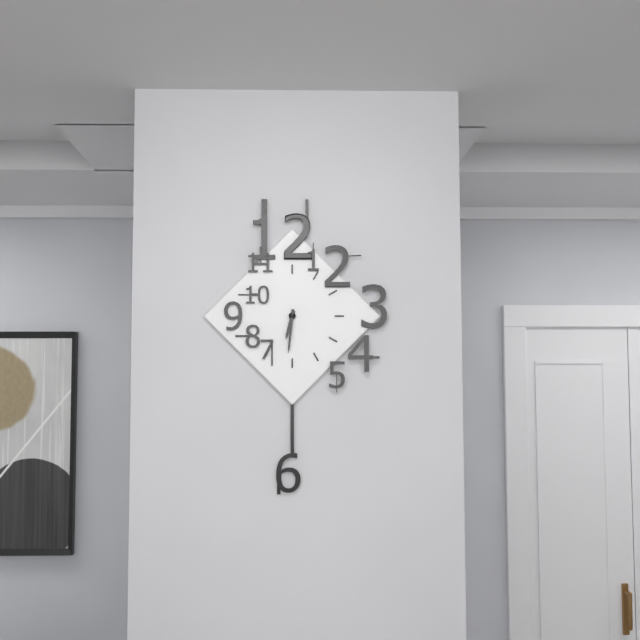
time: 6:31
